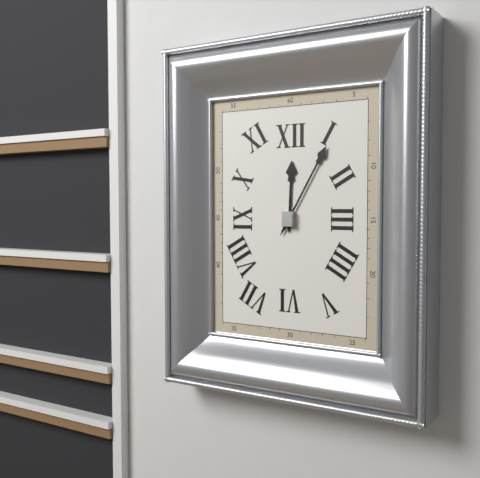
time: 12:05
